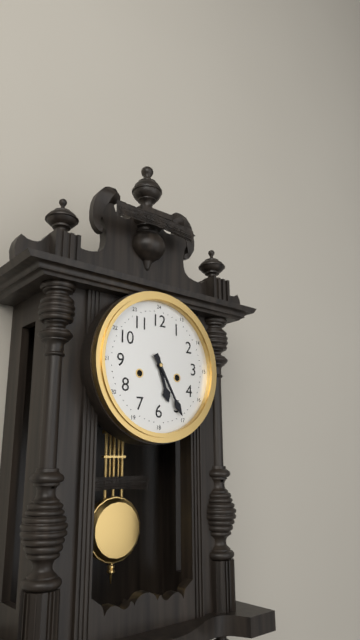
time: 5:25
